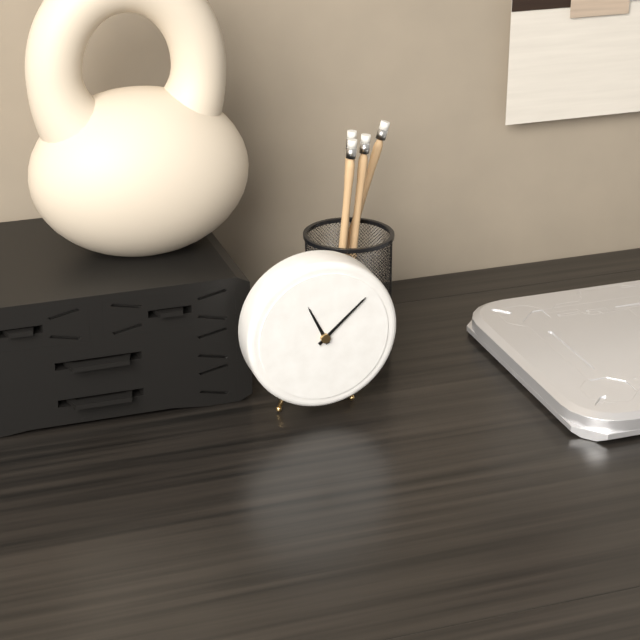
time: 11:08
